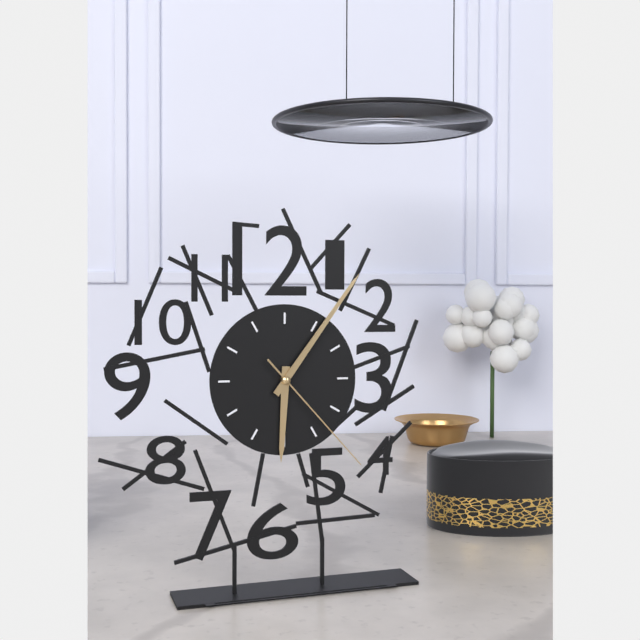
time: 6:06:23
